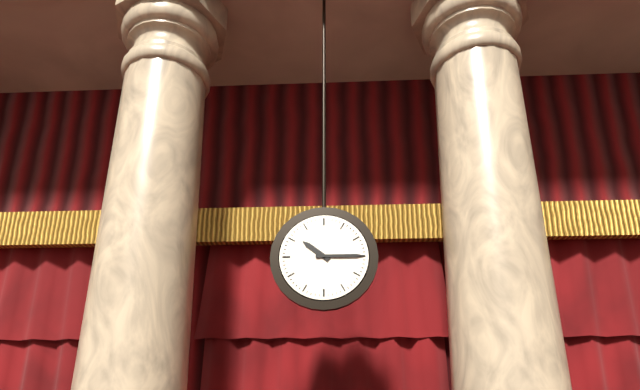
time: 10:15
